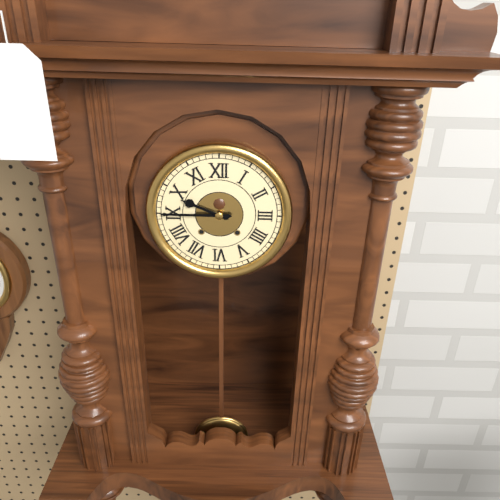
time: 9:45
